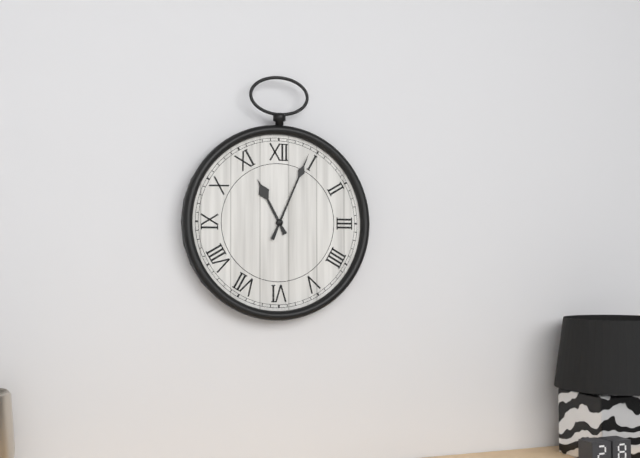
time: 11:04
